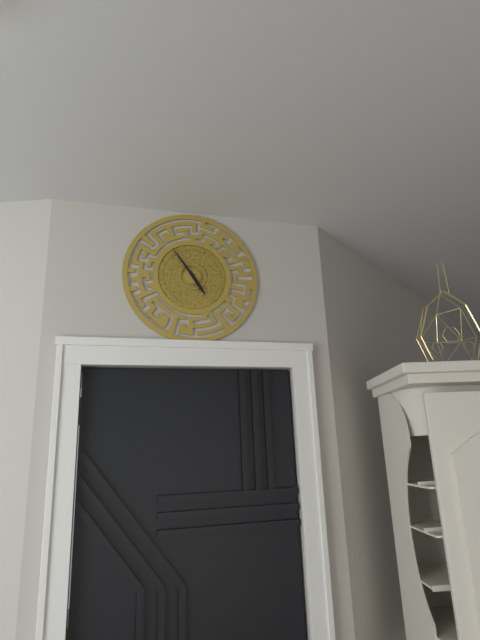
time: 4:54
